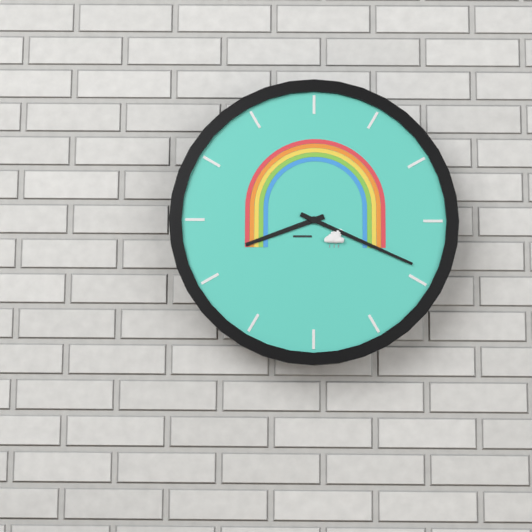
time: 8:19
